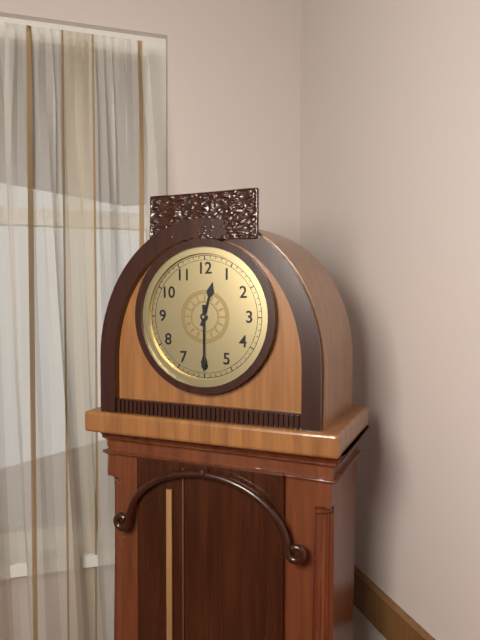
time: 12:30
